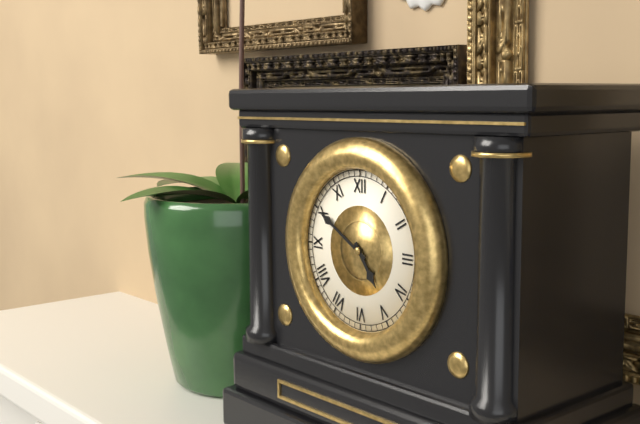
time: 4:50
